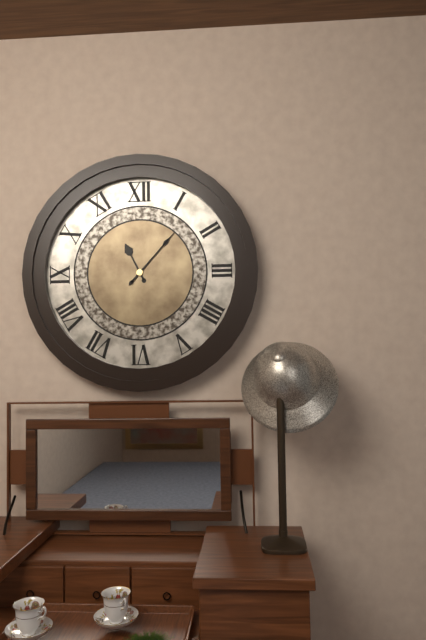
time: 11:07
